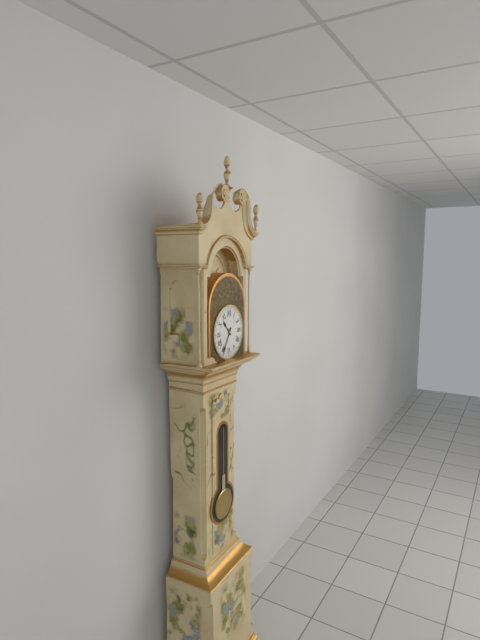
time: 10:35
